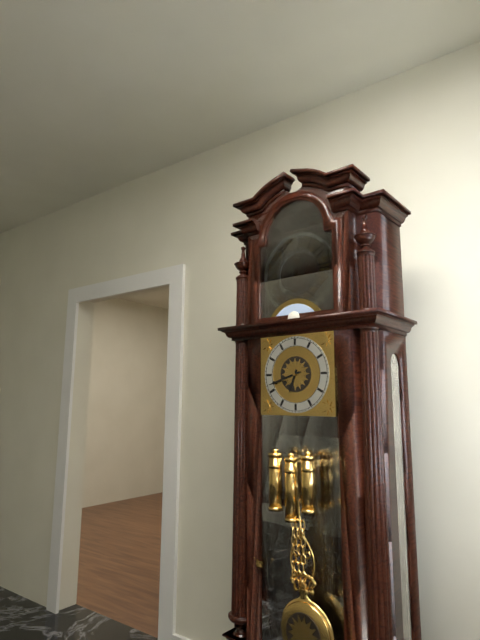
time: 6:42
